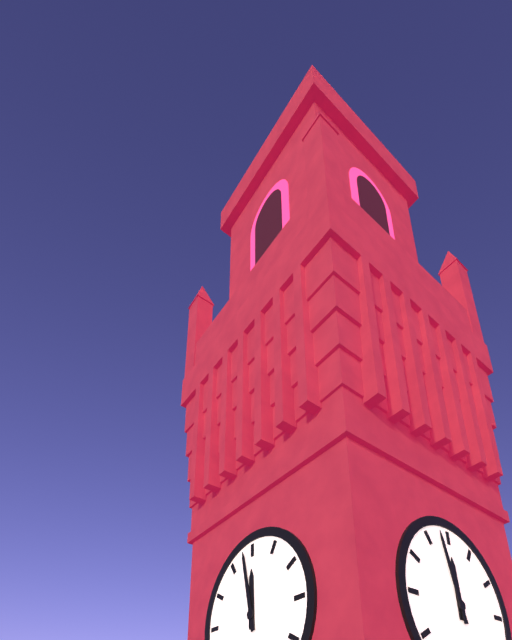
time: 11:58
